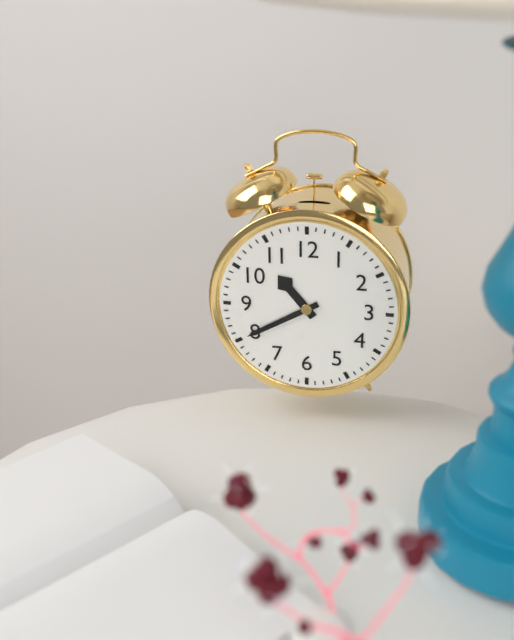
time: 10:40
